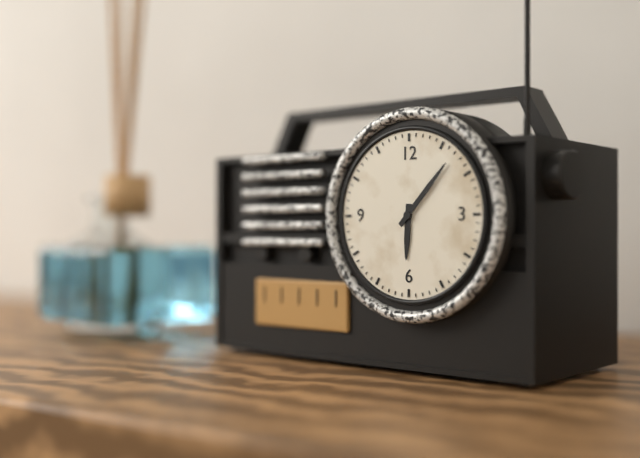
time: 6:07
